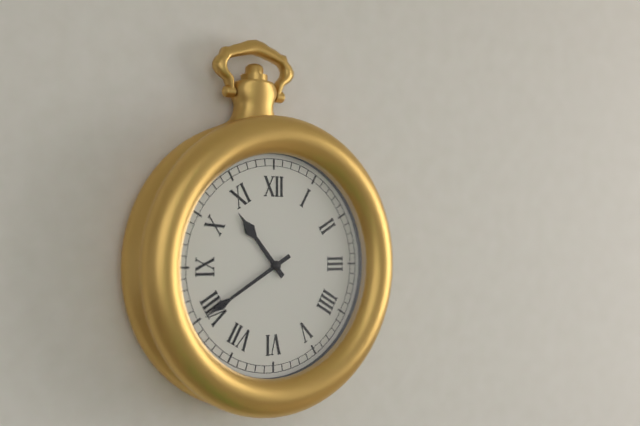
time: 10:40
